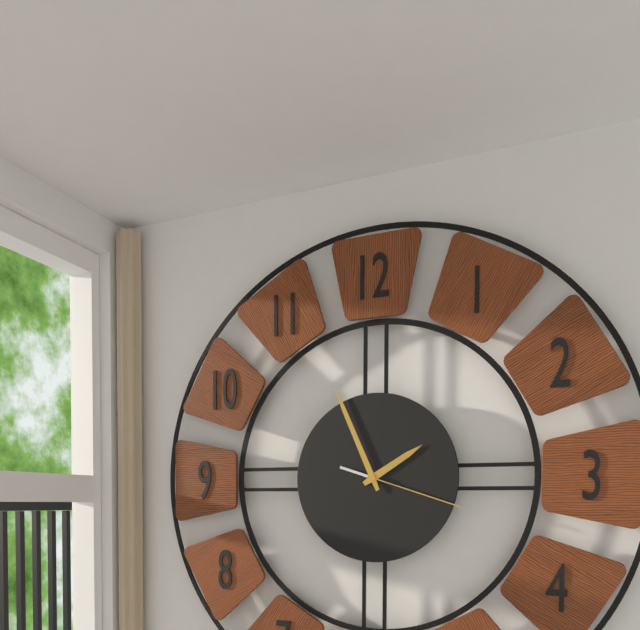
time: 1:56:18
